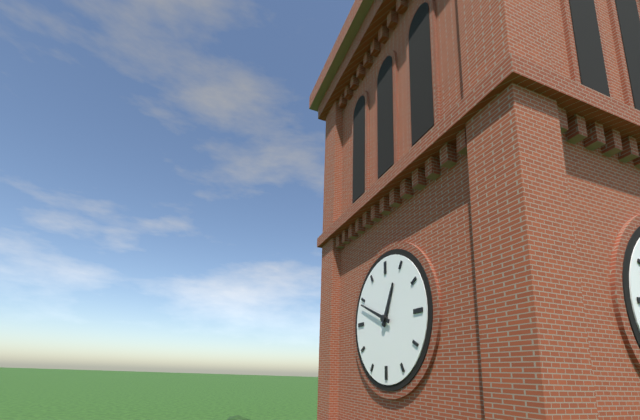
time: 12:49
